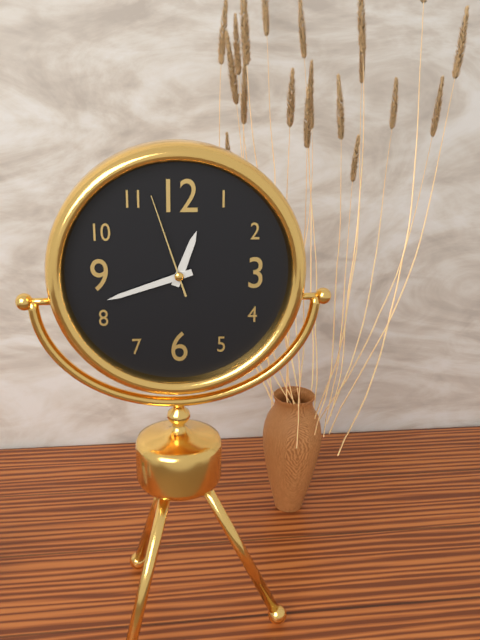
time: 12:42:57
